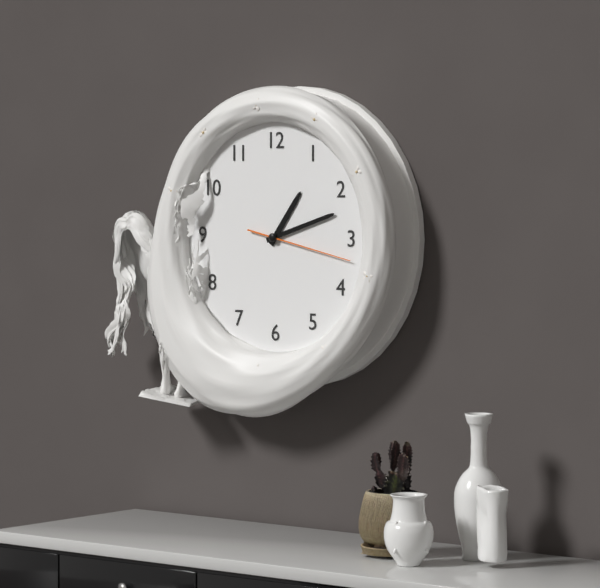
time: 1:12:17
